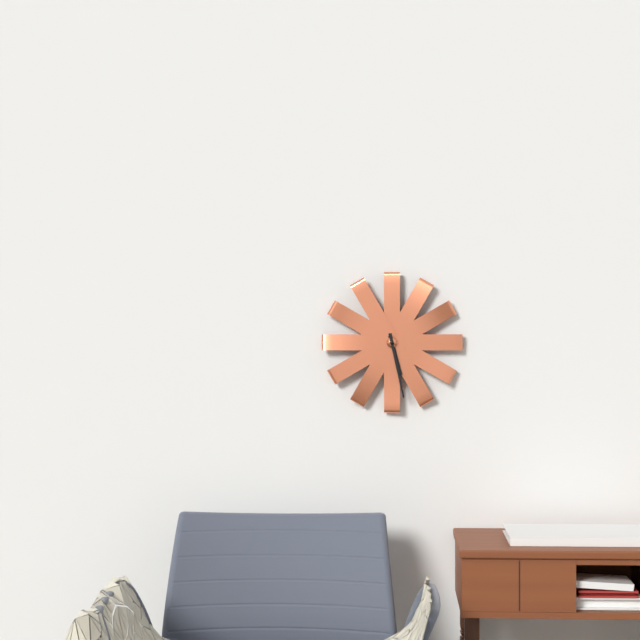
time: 5:28
